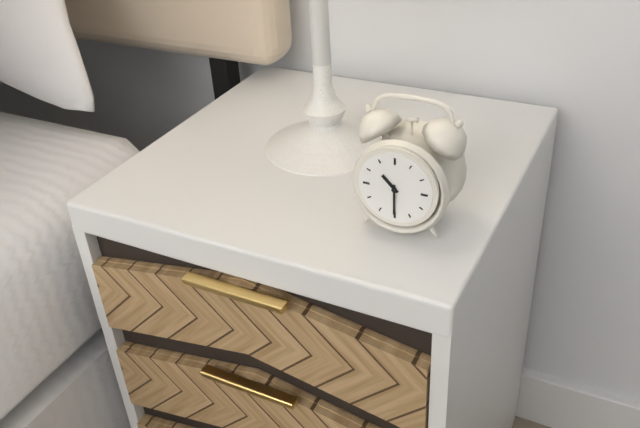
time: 10:30
